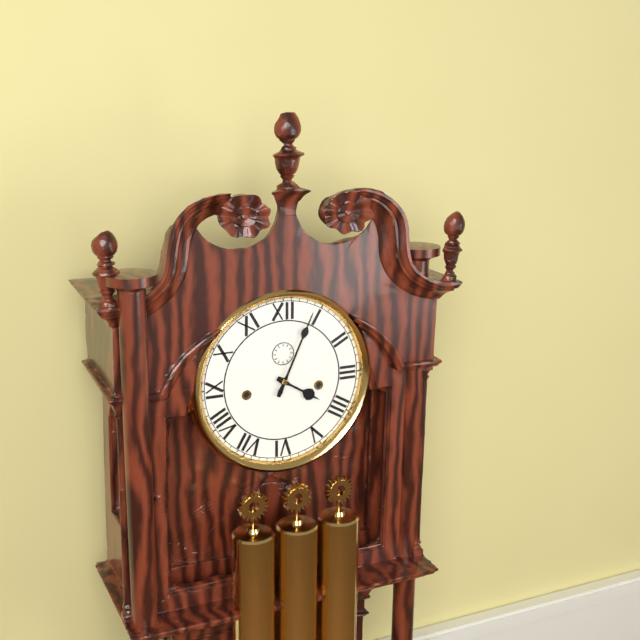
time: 4:04
